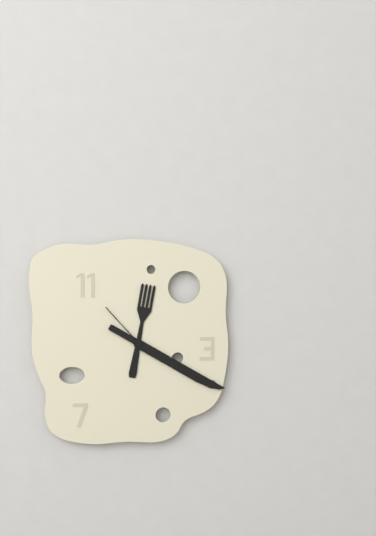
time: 12:20:53
